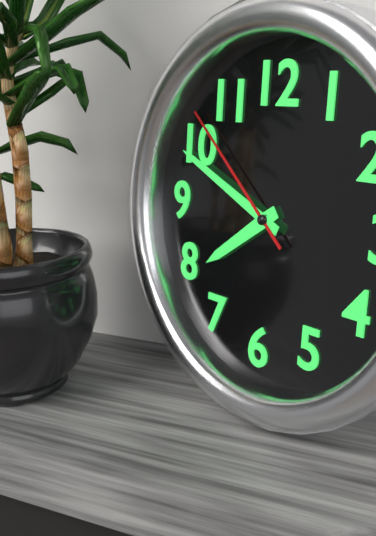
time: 7:49:52
